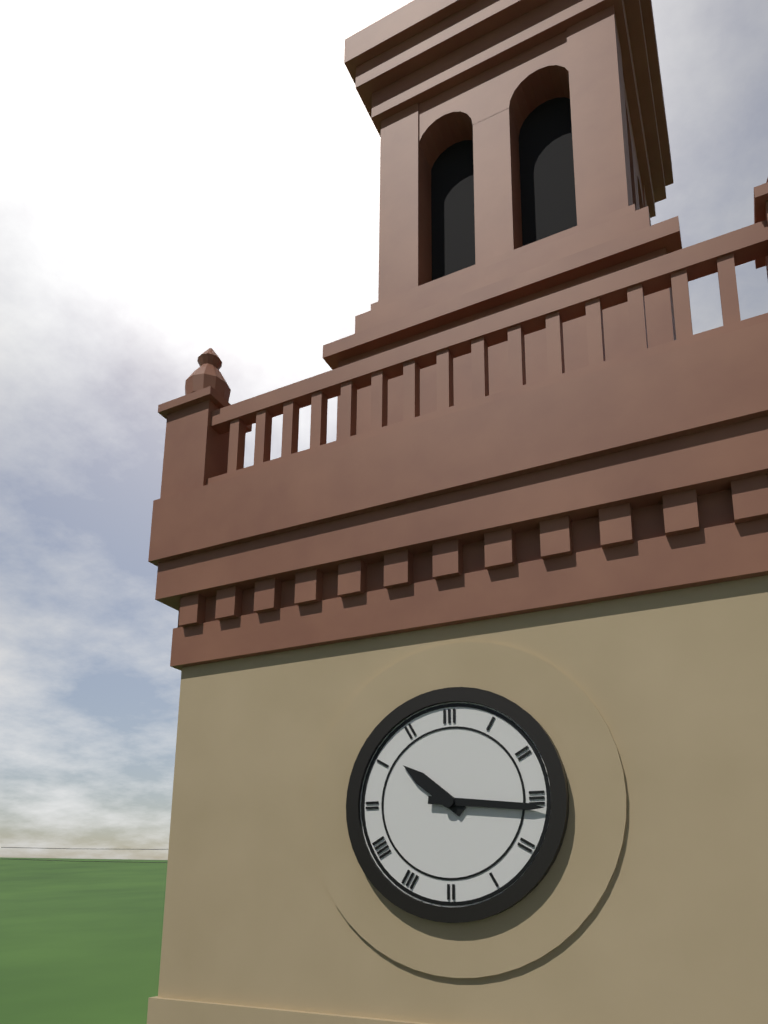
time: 10:16
